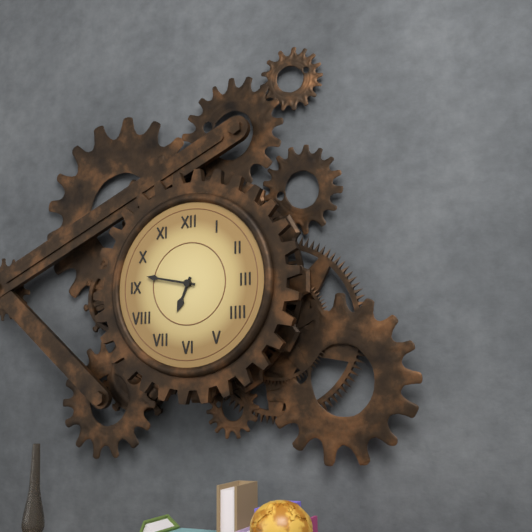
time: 6:47
